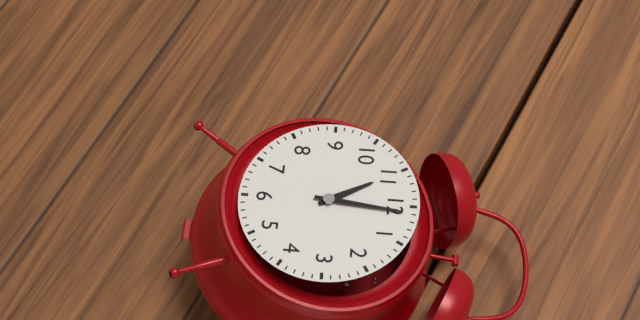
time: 11:01
